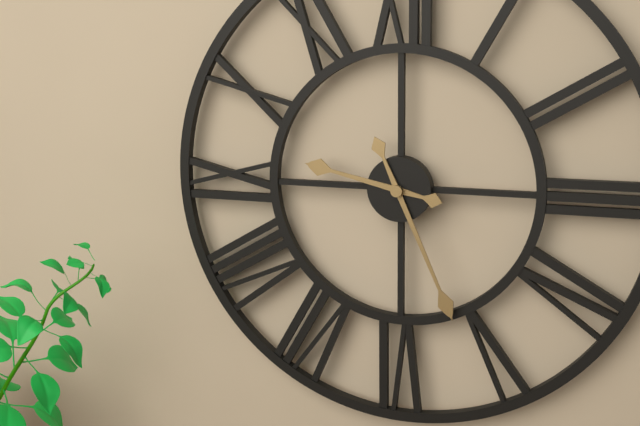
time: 9:26
